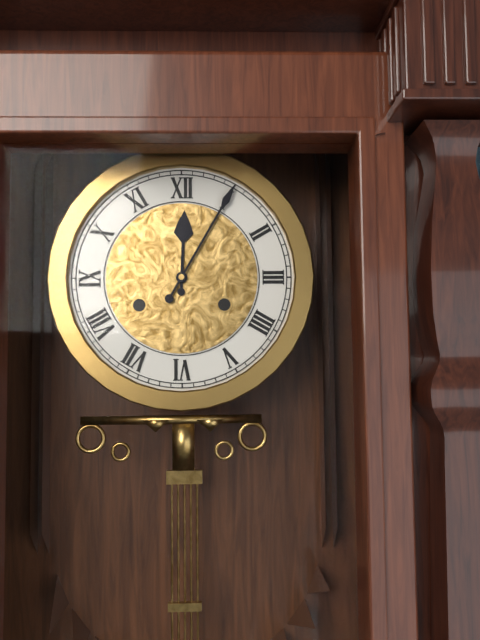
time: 12:05
